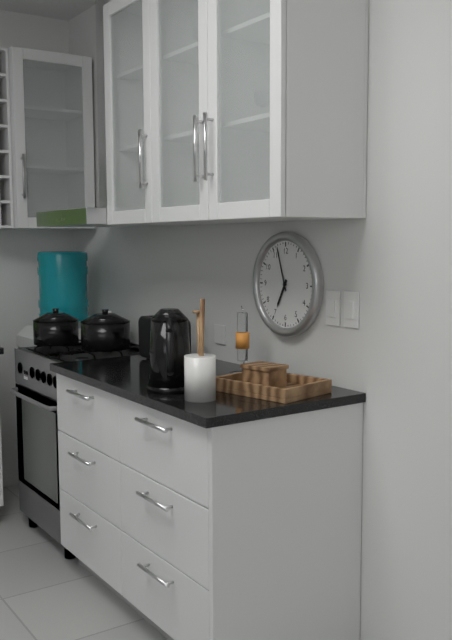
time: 6:57
